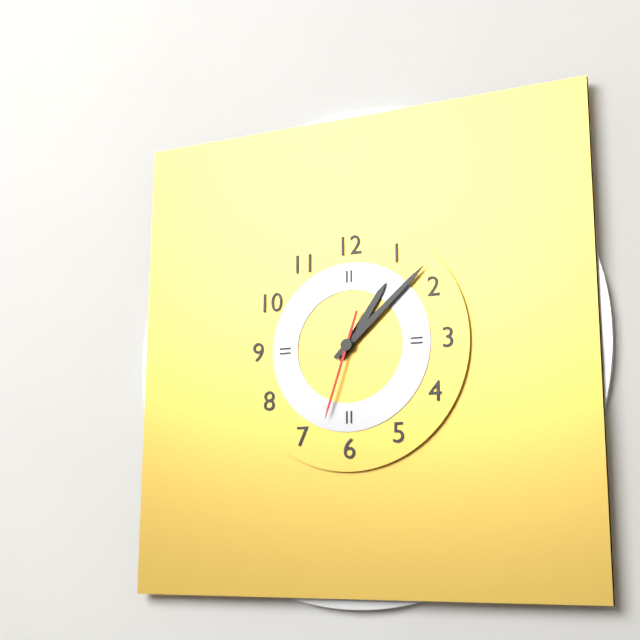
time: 1:08:33
